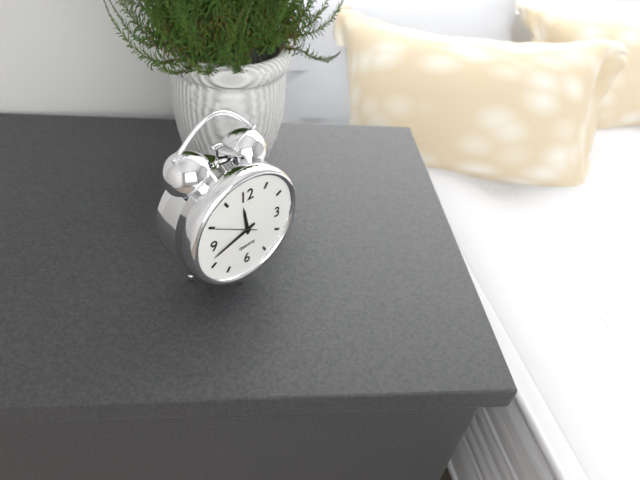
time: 11:42
